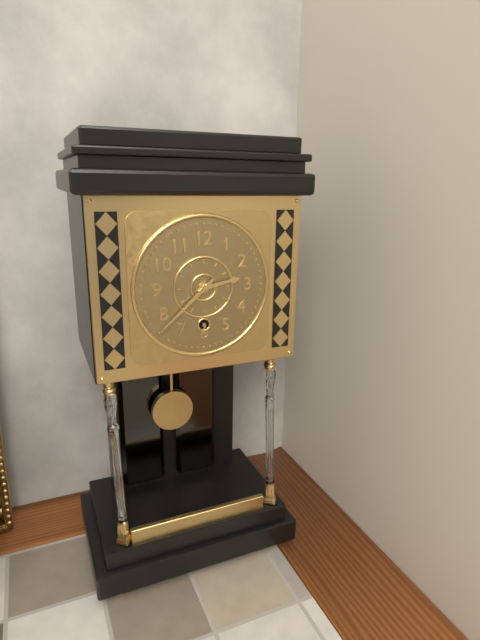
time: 2:38
